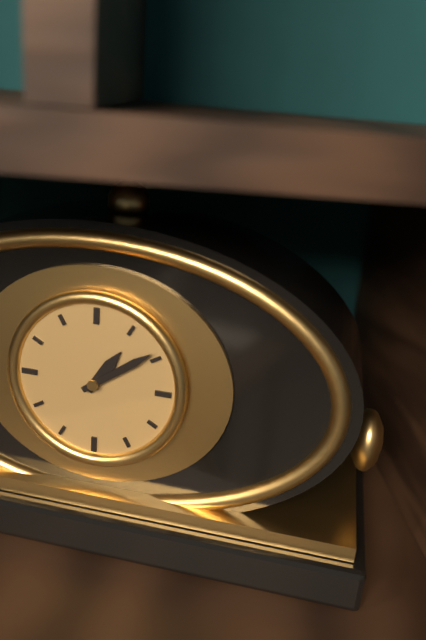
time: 1:09
